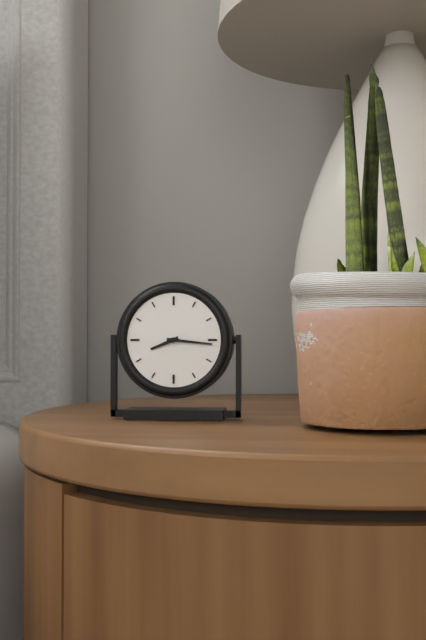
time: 8:16
